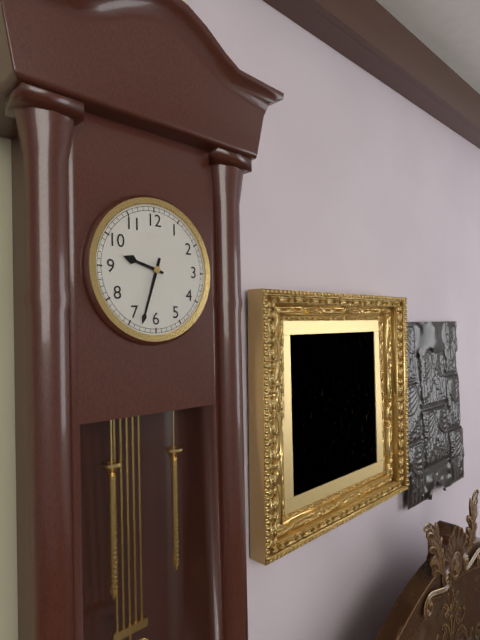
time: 9:33
